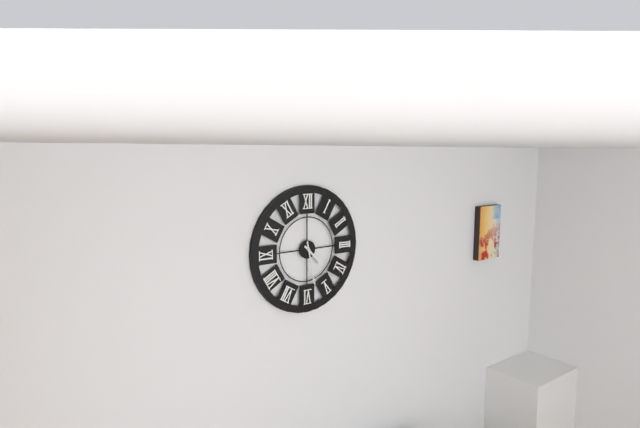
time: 4:28
